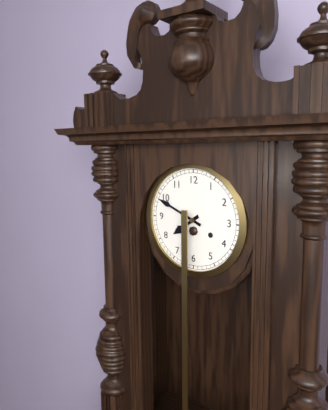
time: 7:49
